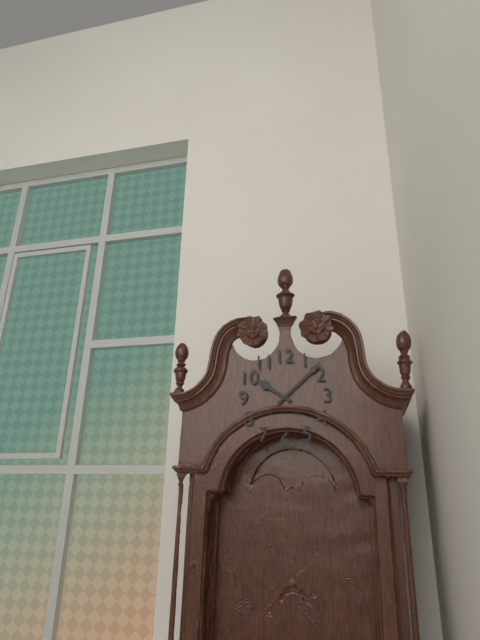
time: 10:08
